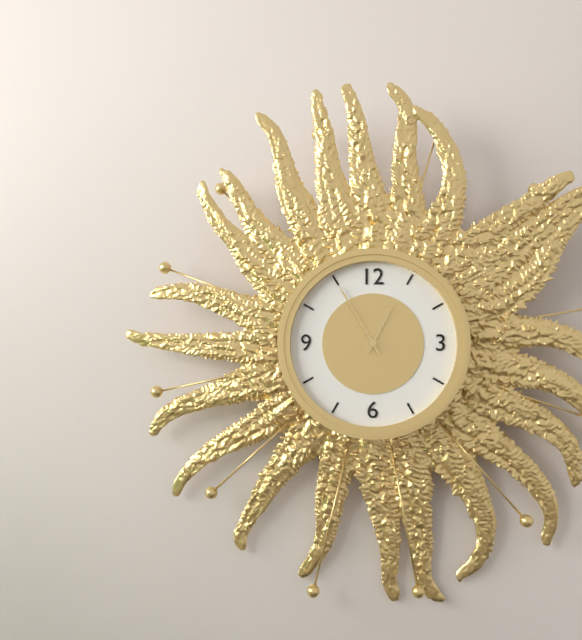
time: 12:55
